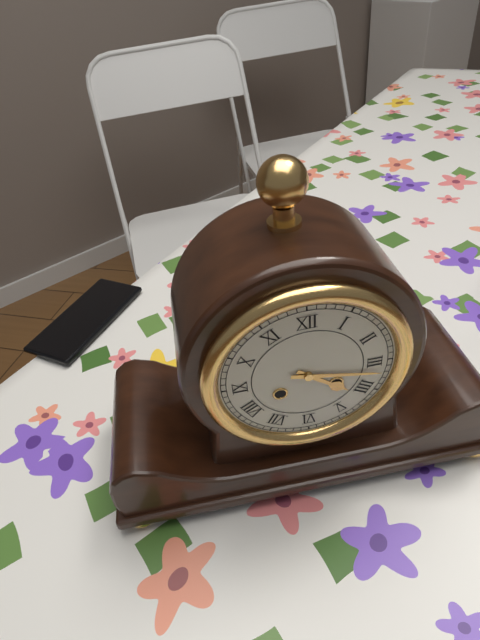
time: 4:17
